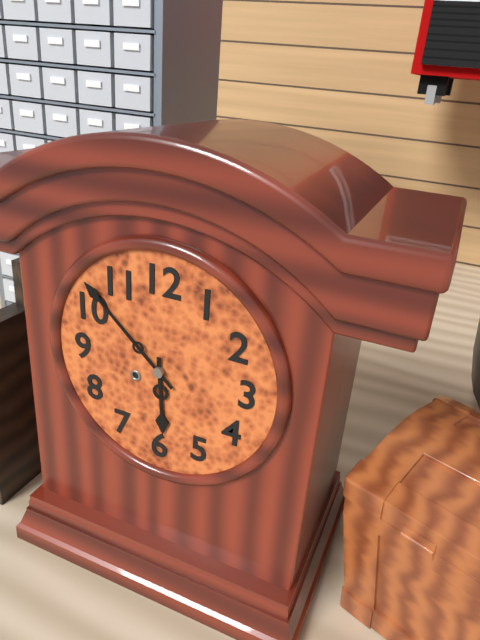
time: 5:52
